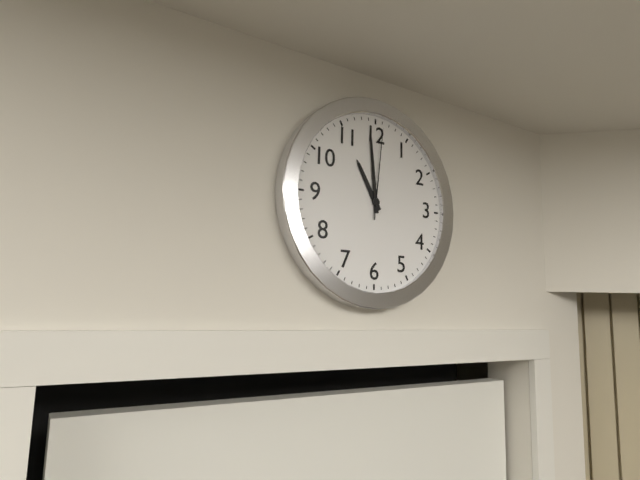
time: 10:59:01
